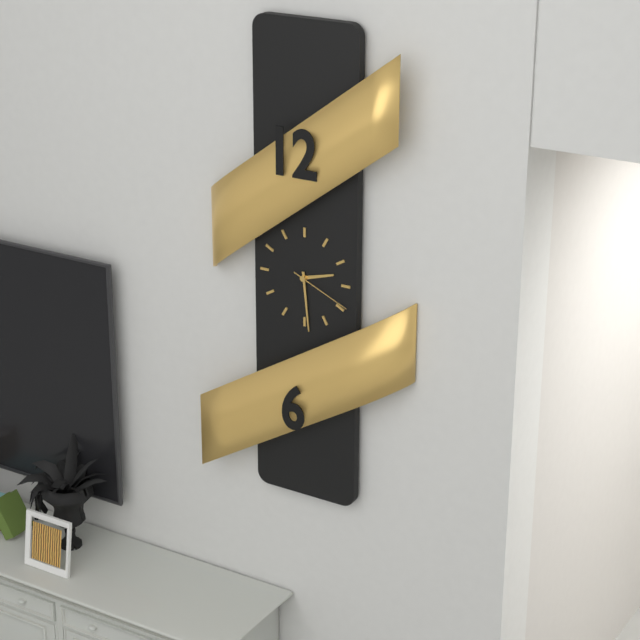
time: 2:29:19
